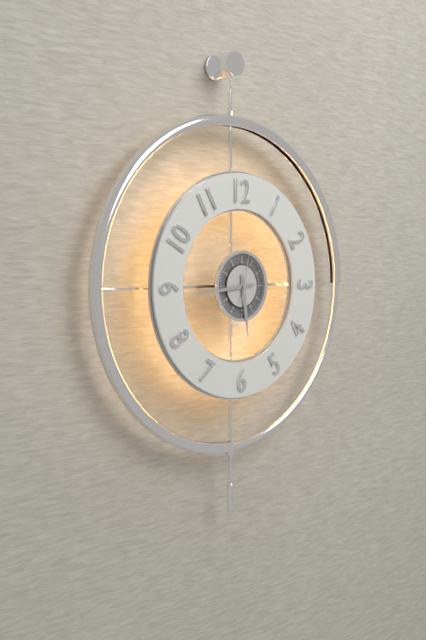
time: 5:44:02
